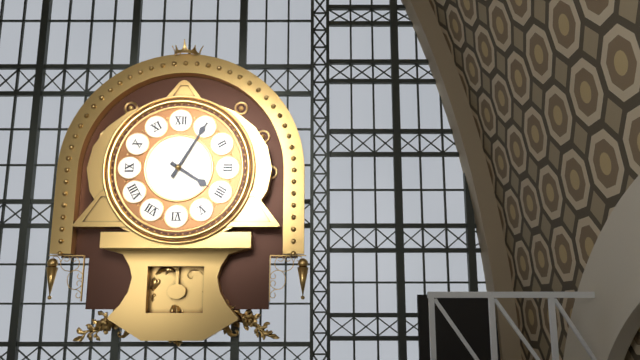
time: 4:05
